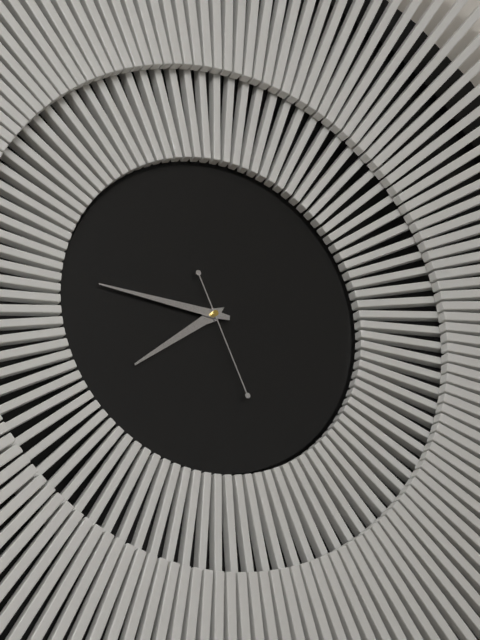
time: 7:46:26
